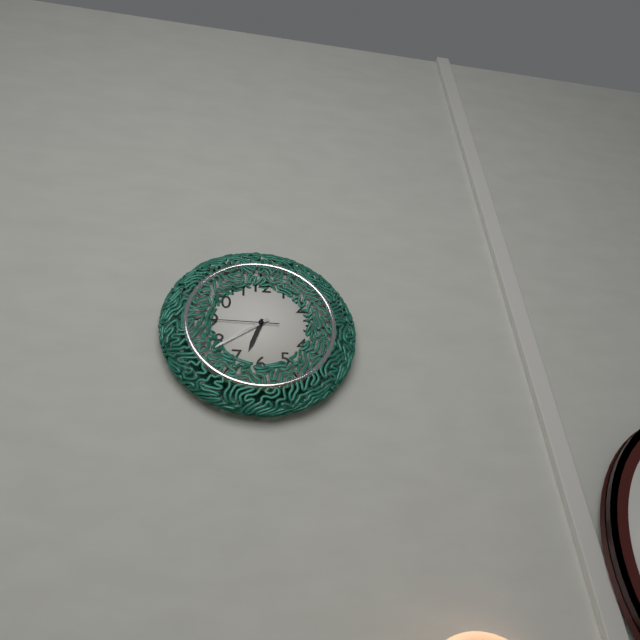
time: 6:39:45
